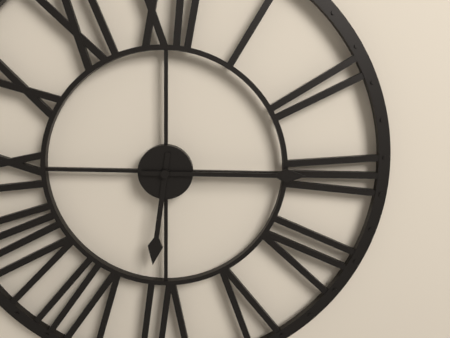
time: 6:15
